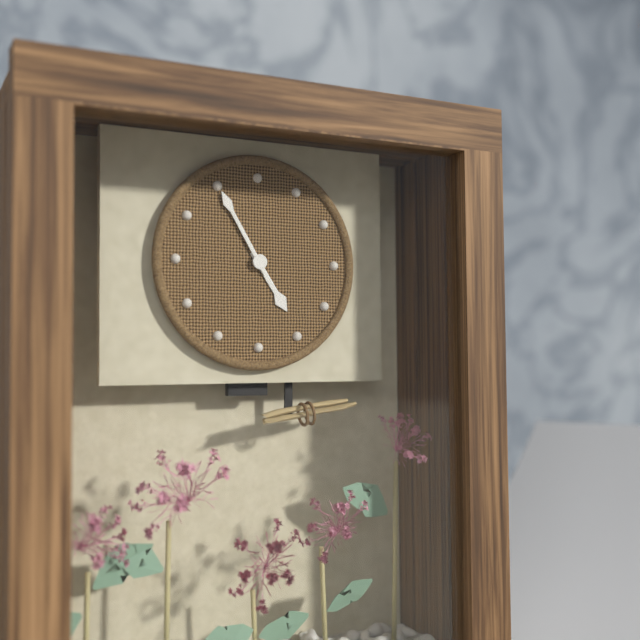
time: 4:55
